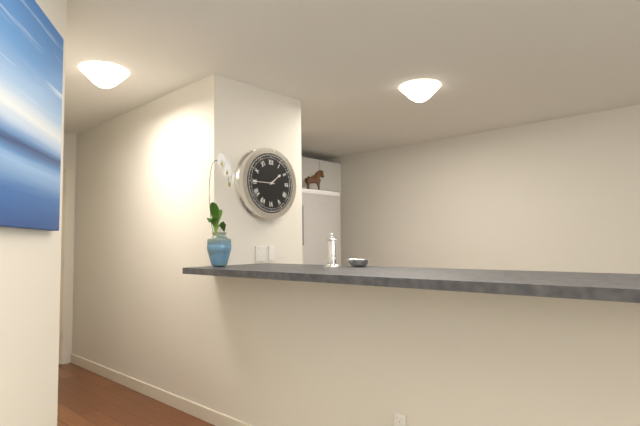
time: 1:45
